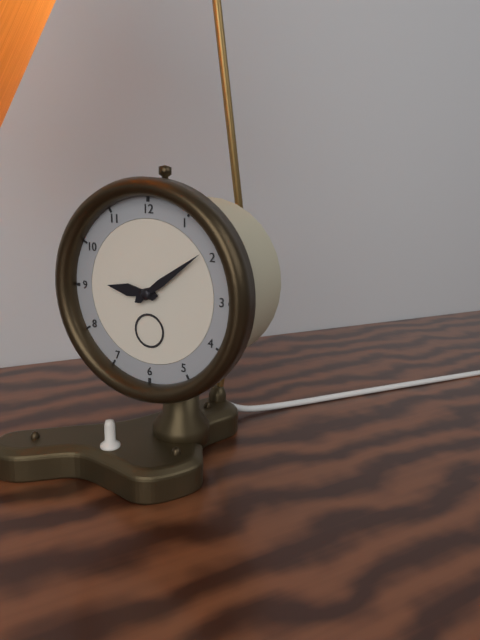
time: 9:09
